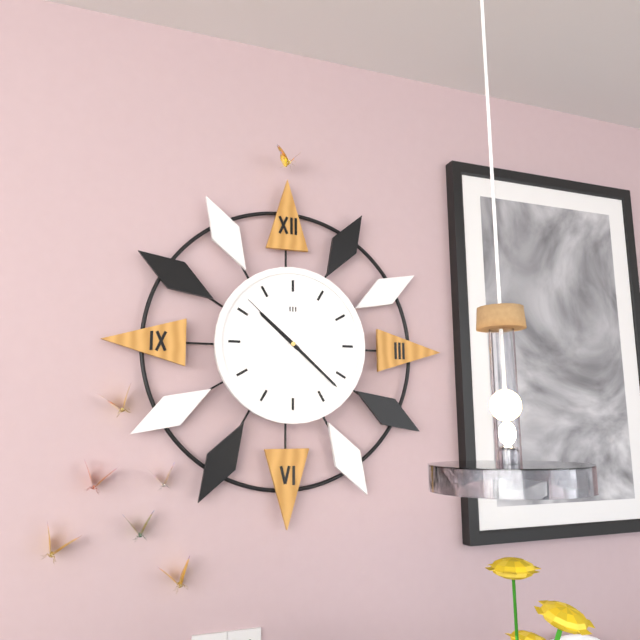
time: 10:22:52
